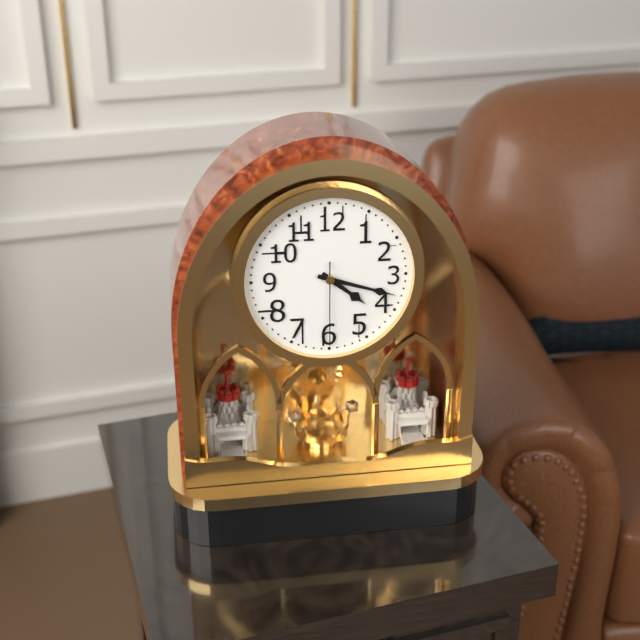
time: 4:18:30
